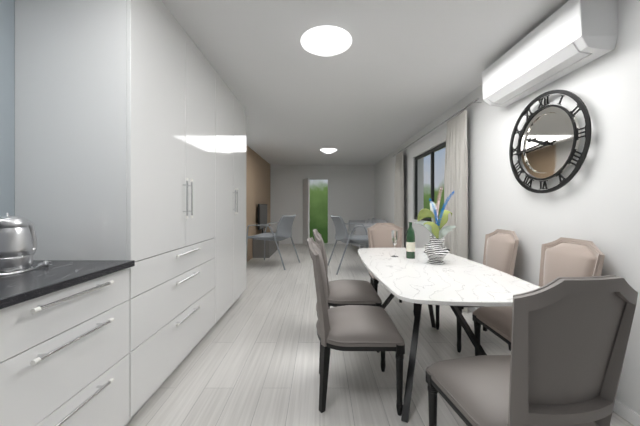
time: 9:44
